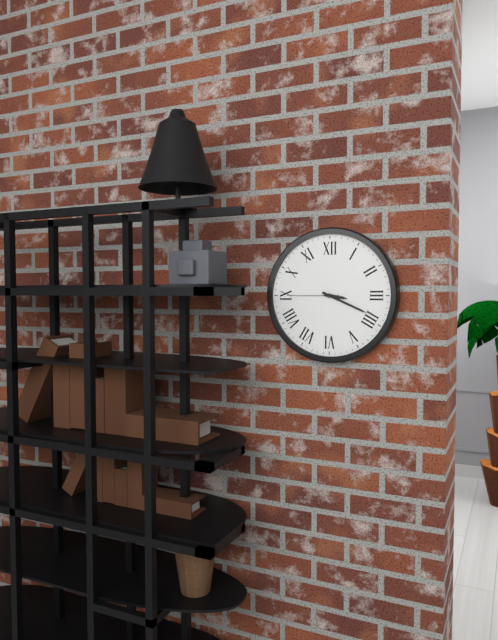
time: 3:19:45
